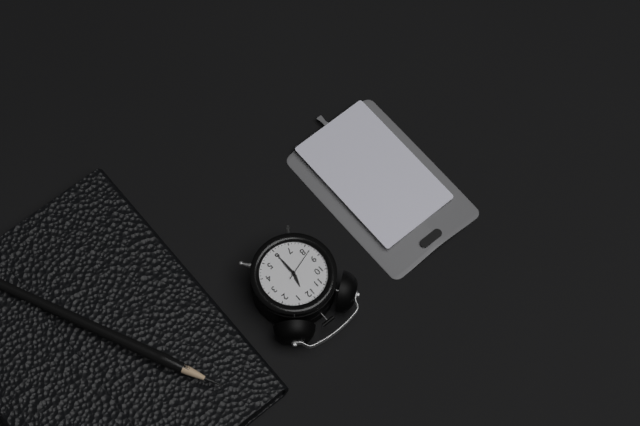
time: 12:30
